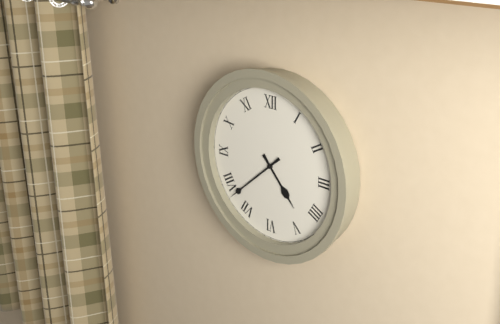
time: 4:38
